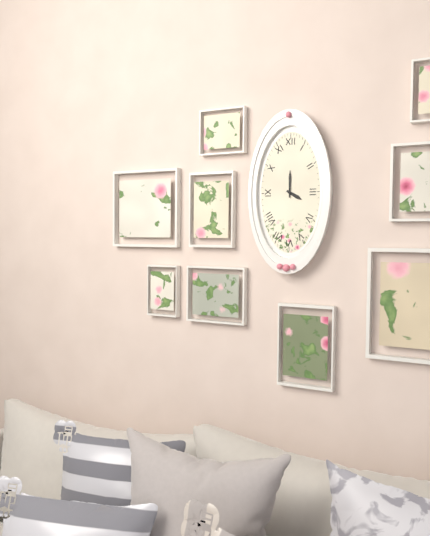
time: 4:00
